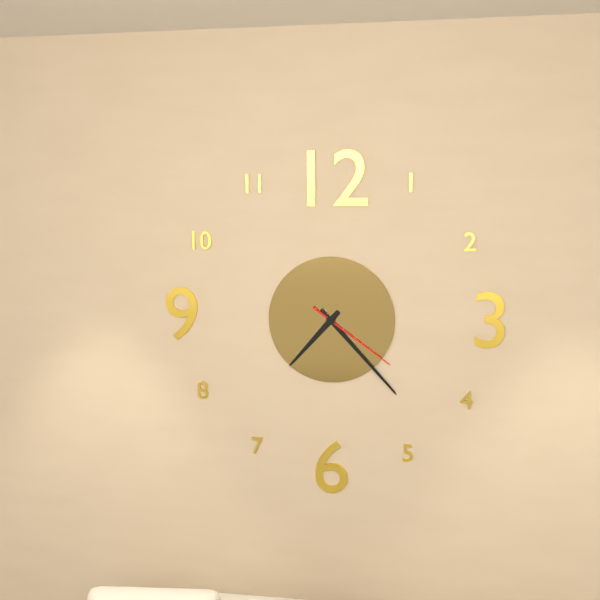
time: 7:23:21
